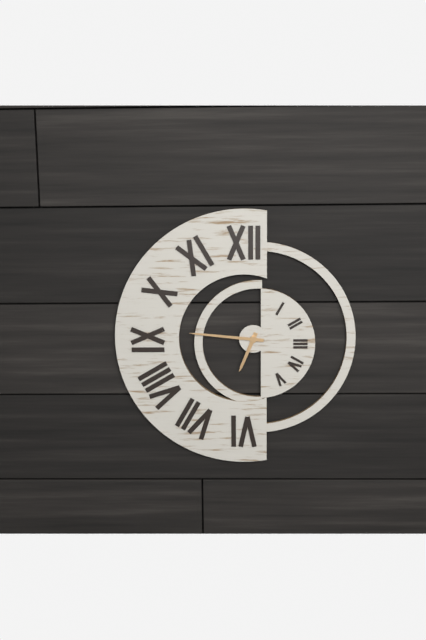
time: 6:46
